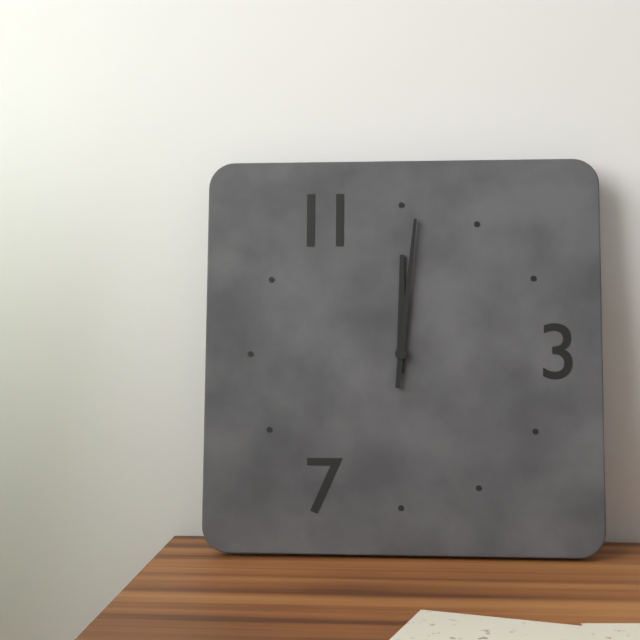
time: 12:01
